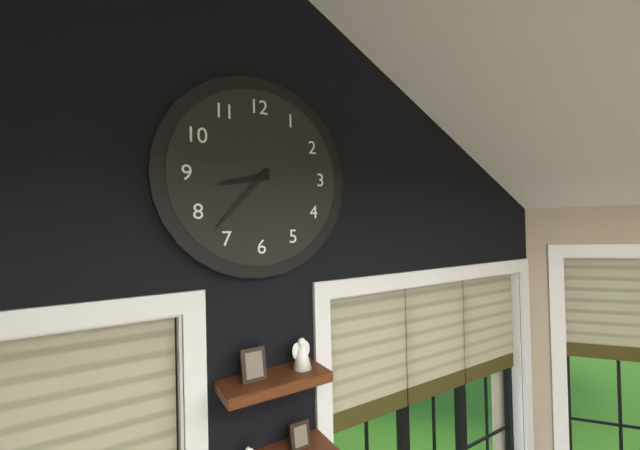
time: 8:37
